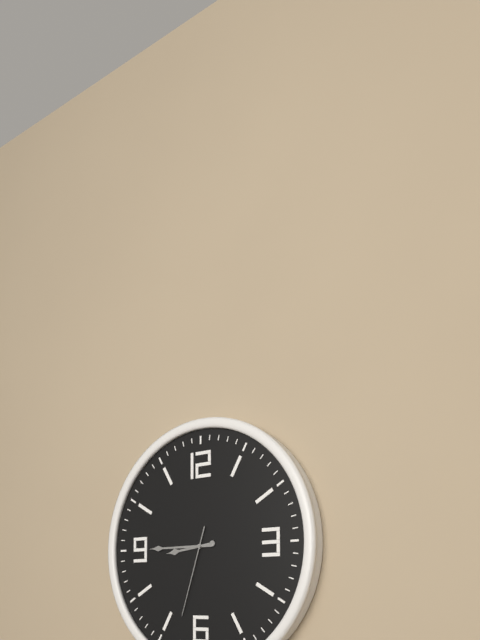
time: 8:45:33
